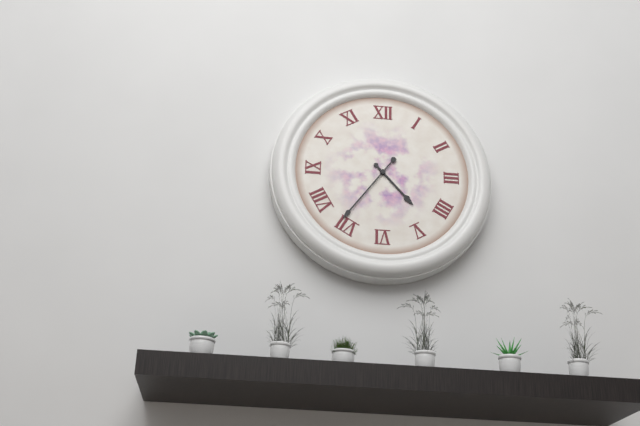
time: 4:36
